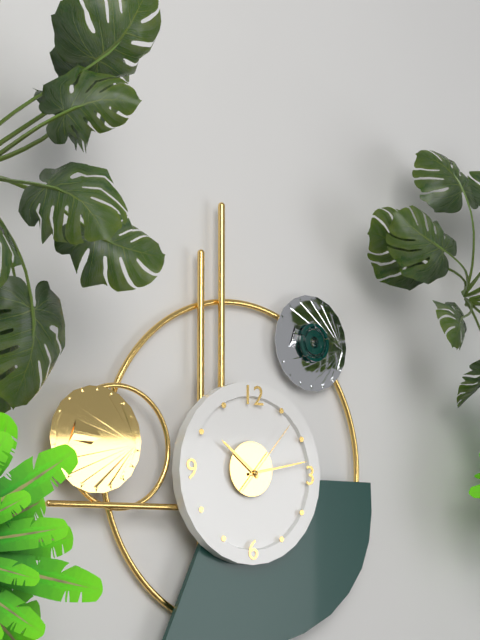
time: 10:13:07
